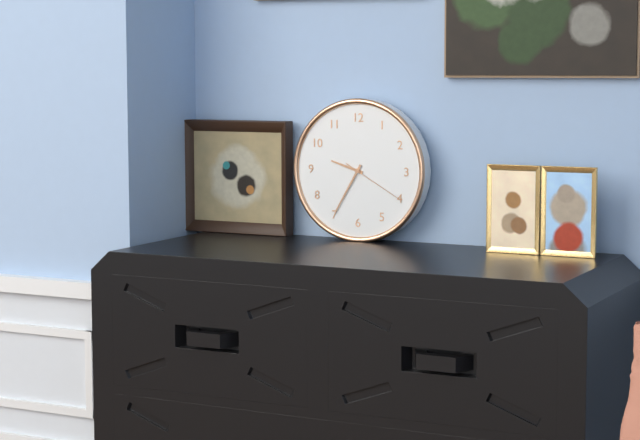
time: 9:35:20
